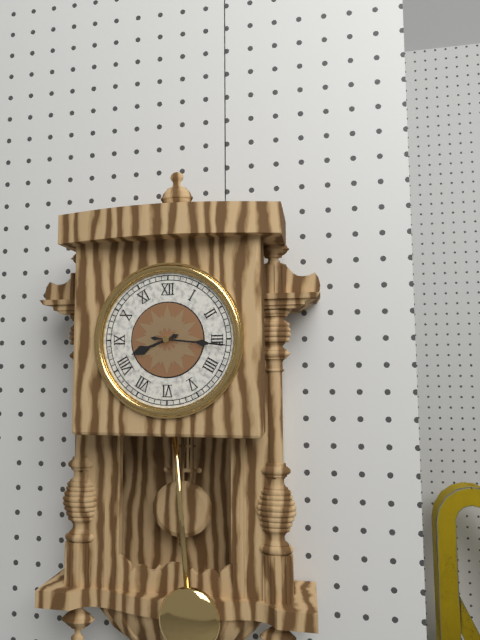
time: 8:16
